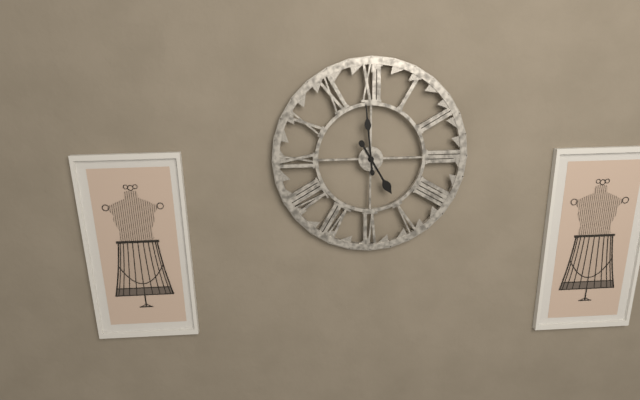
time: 4:59
